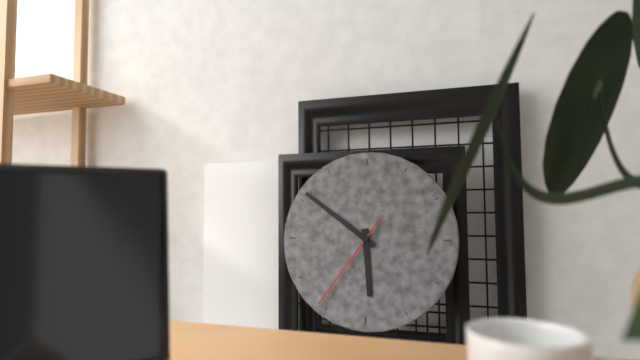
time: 5:51:36
